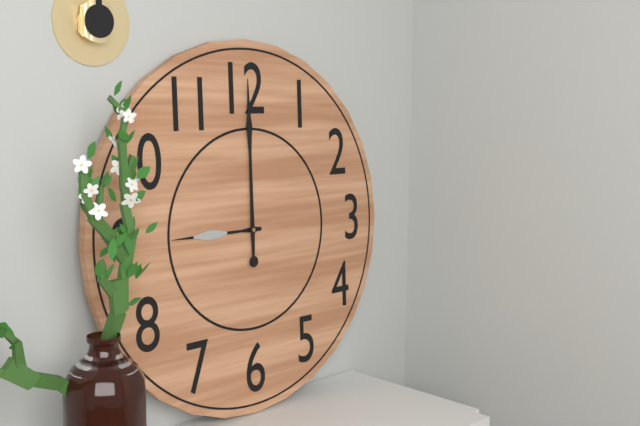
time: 9:00
